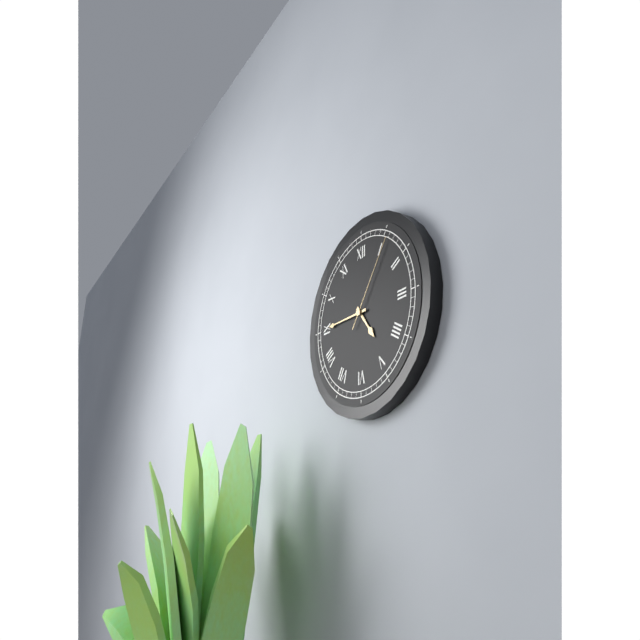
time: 4:45:06
